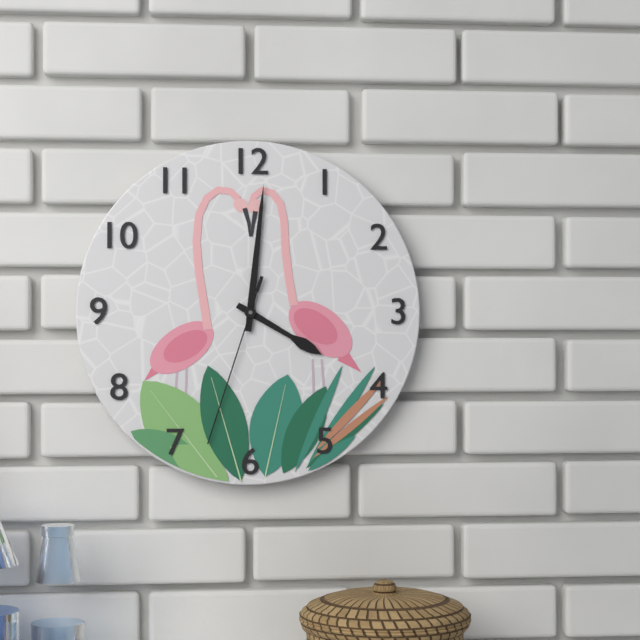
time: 4:01:33
